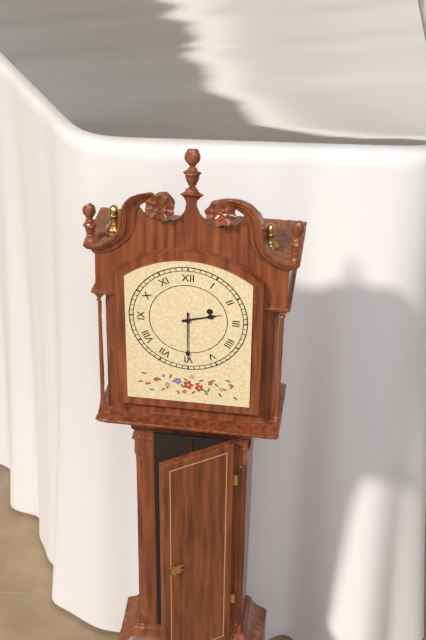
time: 2:30
